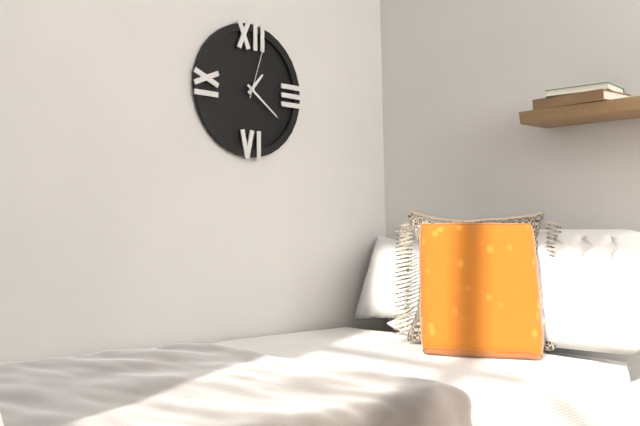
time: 1:21:03
